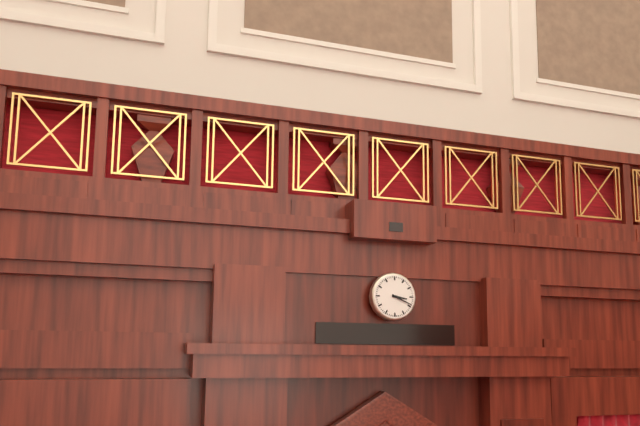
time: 3:19
